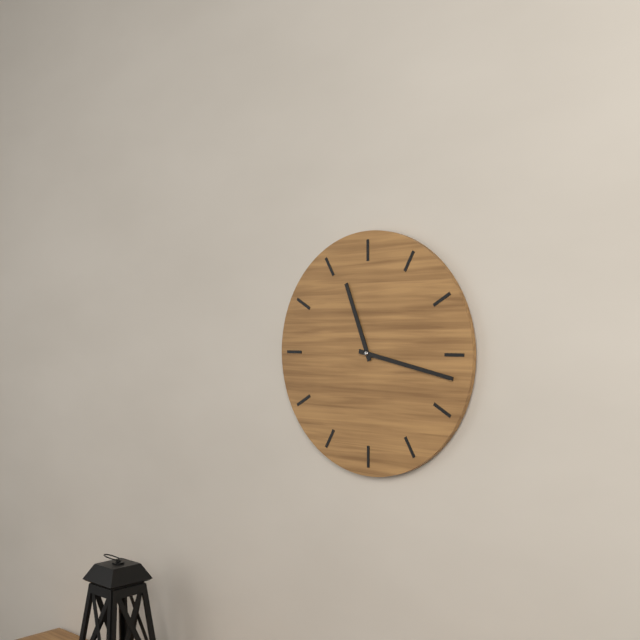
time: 11:17
